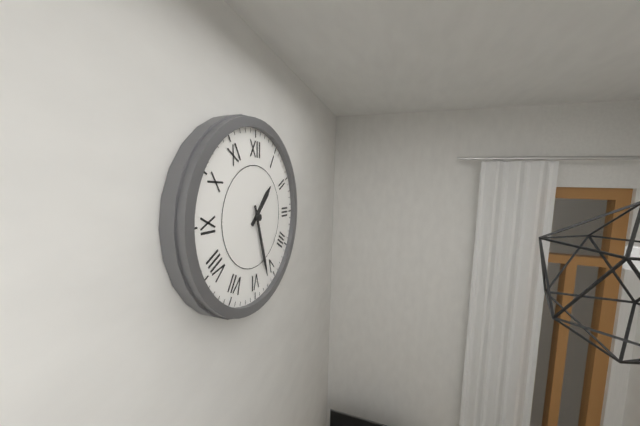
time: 1:27
